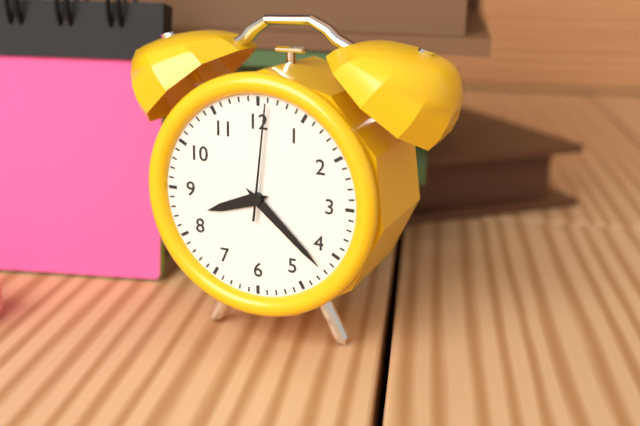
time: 8:22:01
